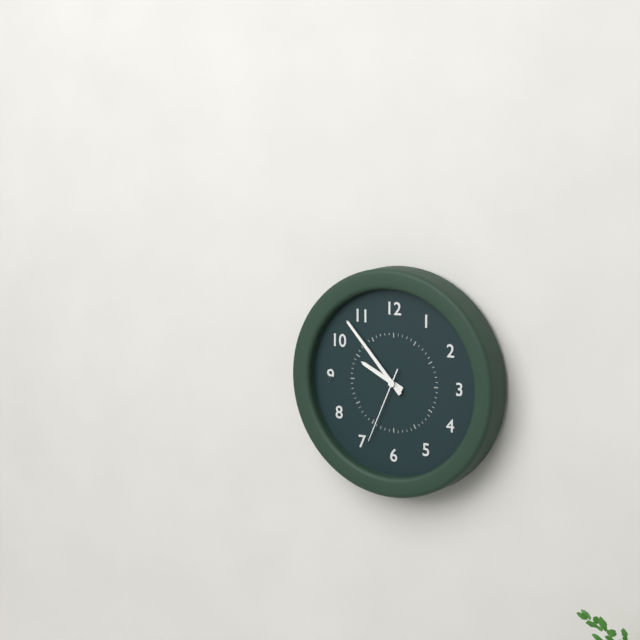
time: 9:53:34
